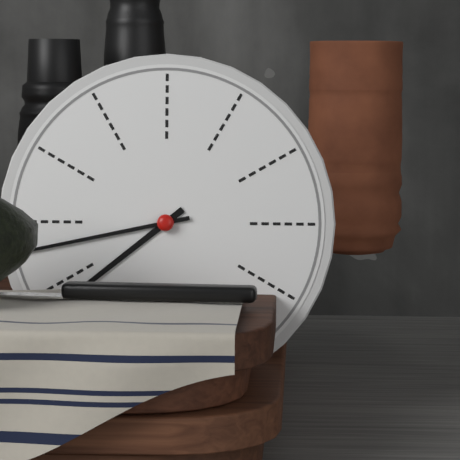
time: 7:43
